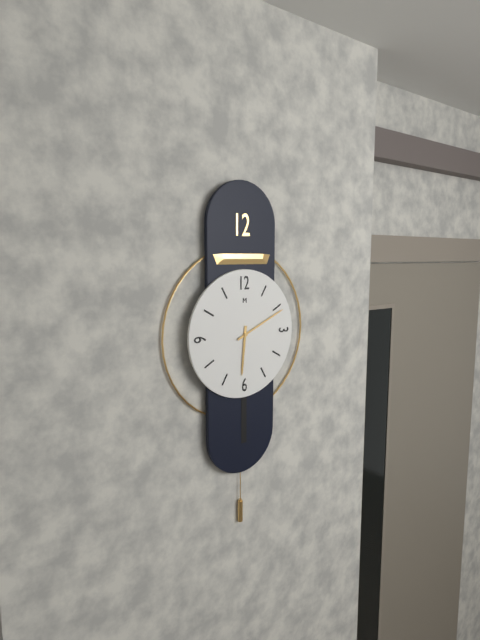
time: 6:11
